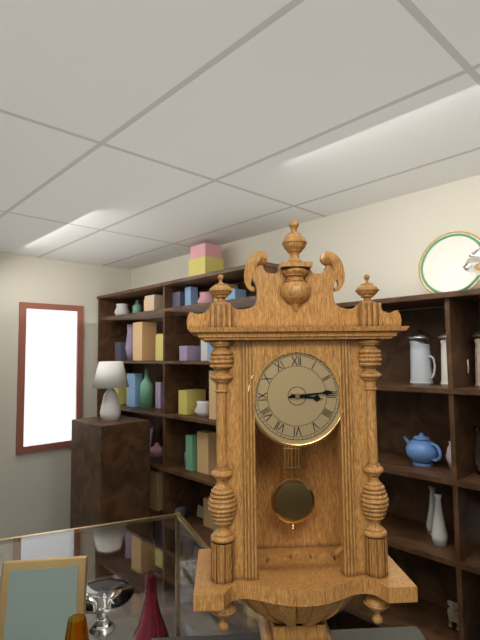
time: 3:14
